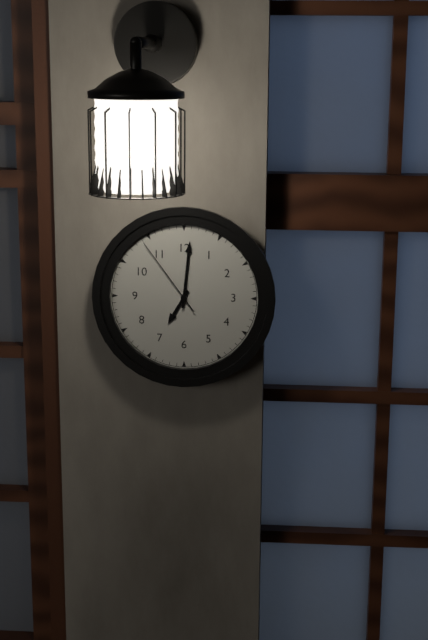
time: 7:01:54
